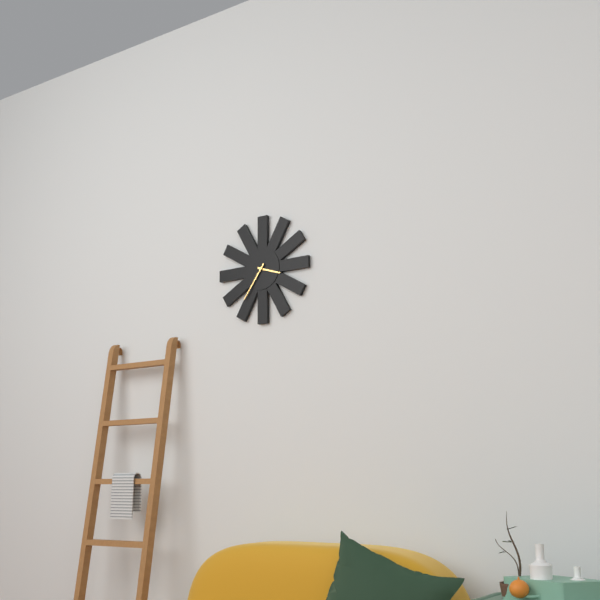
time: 3:36
